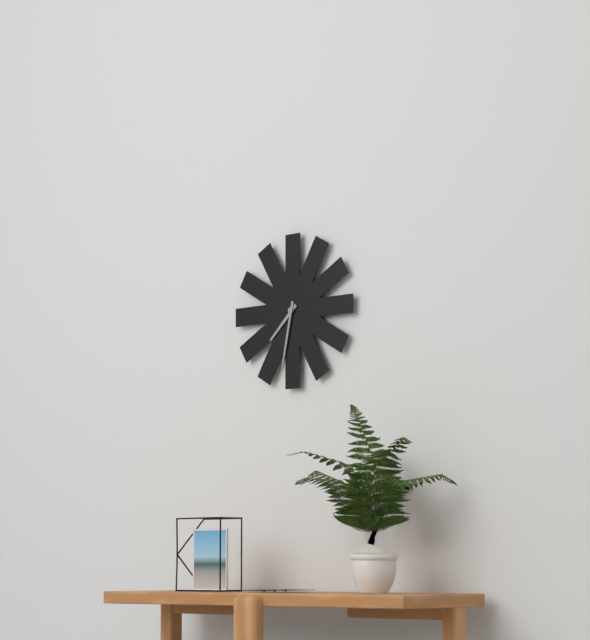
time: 7:32
